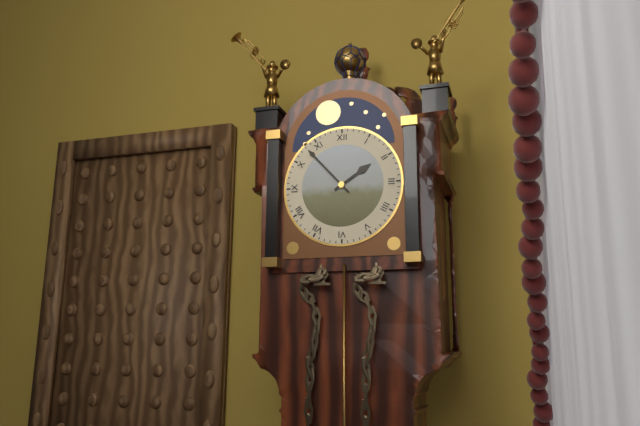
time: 1:53
